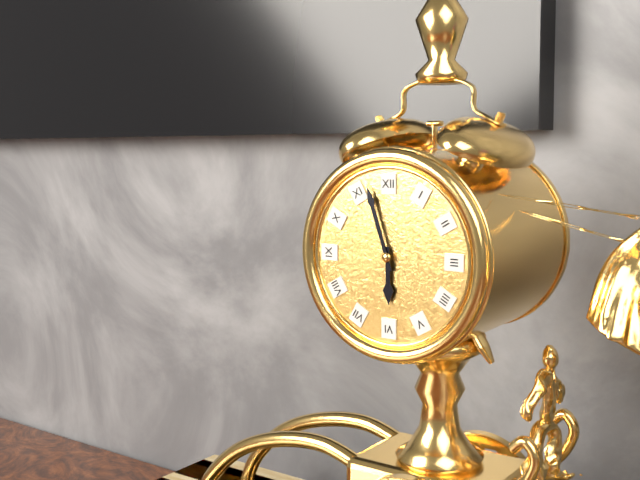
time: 5:57
